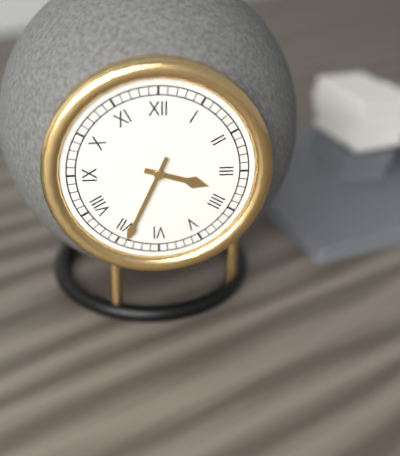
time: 3:34
